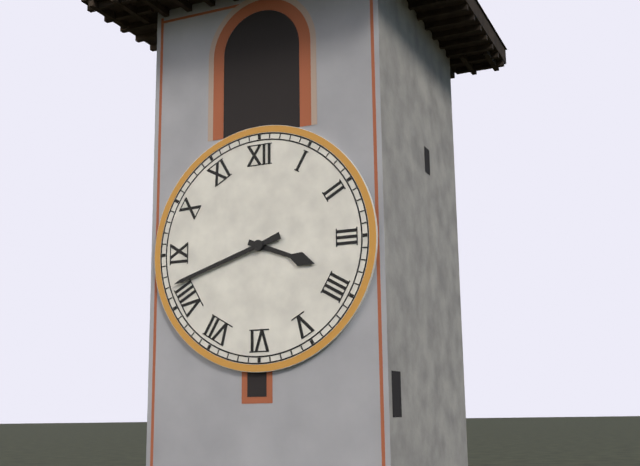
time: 3:42
